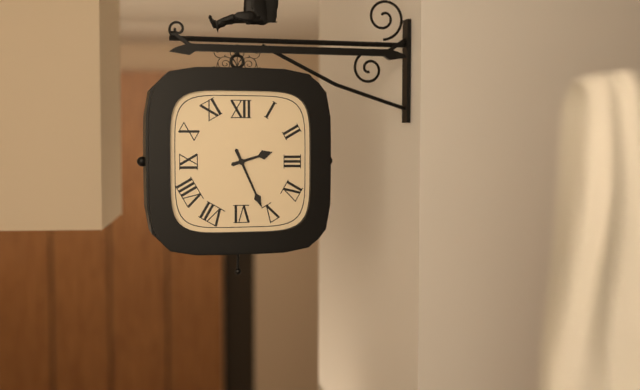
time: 2:26
